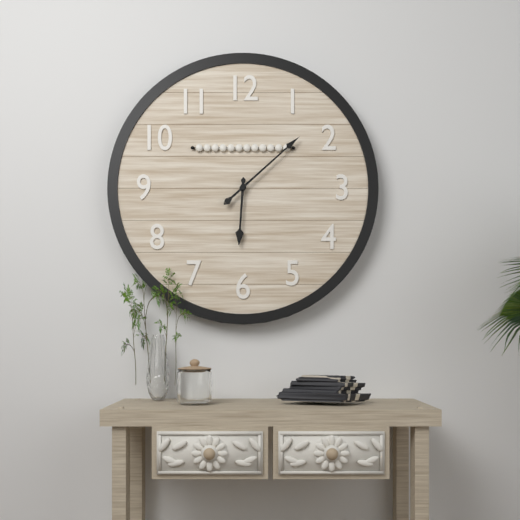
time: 6:08
